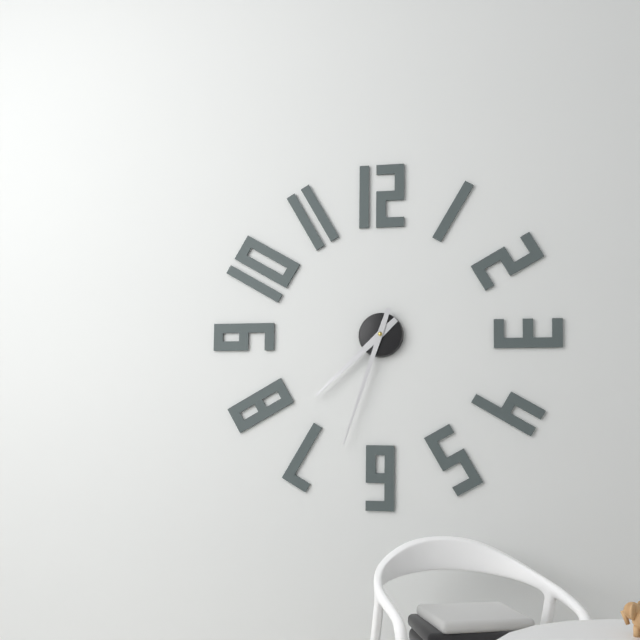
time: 7:33
